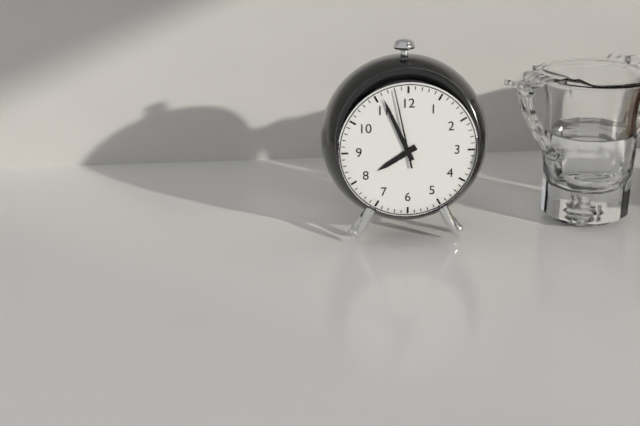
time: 7:56:58
